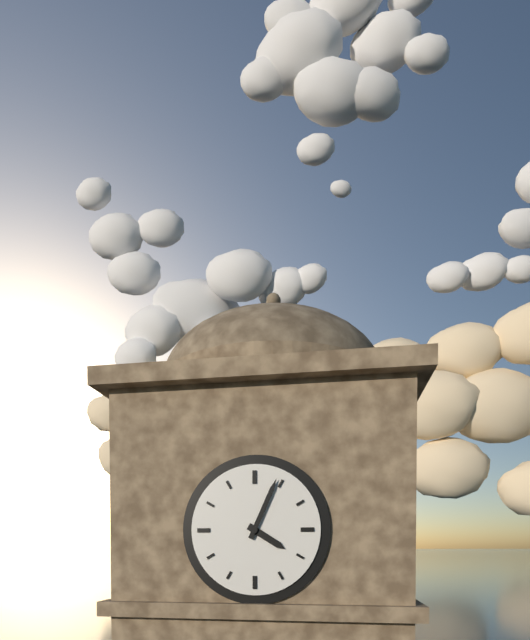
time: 4:04
